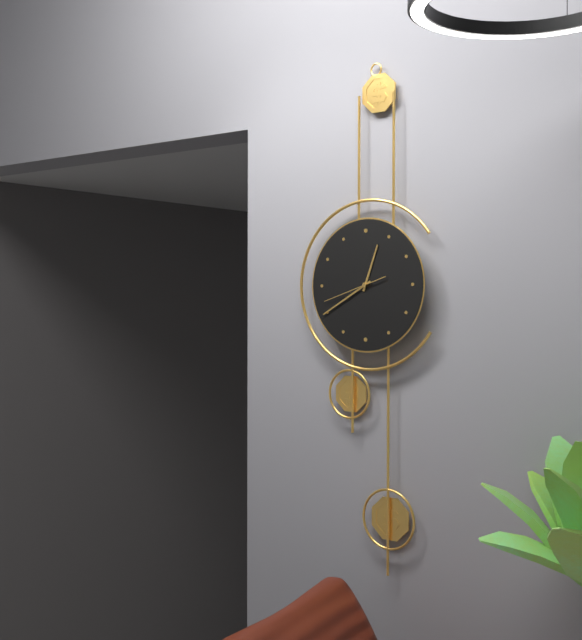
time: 12:40:42
